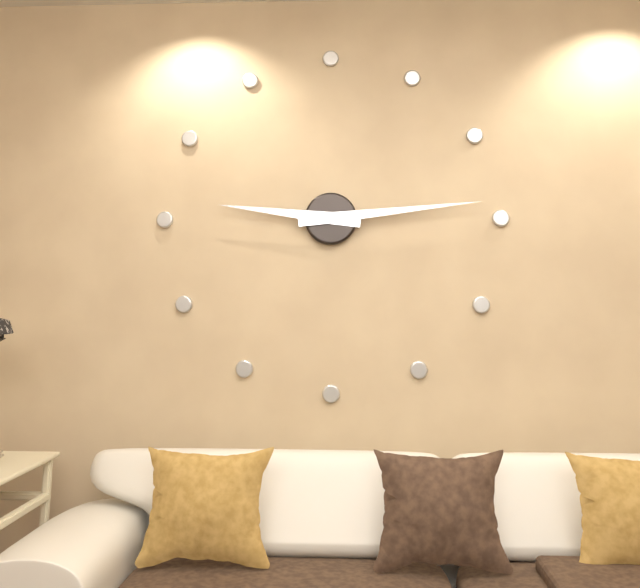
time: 9:14
